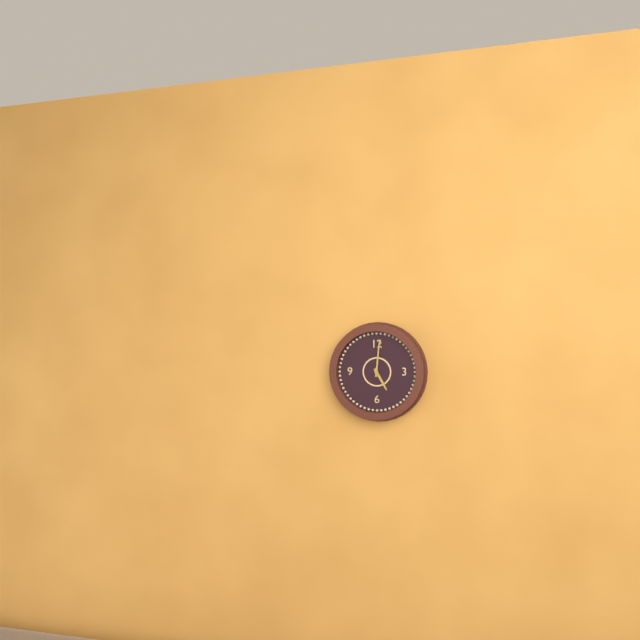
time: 5:01
